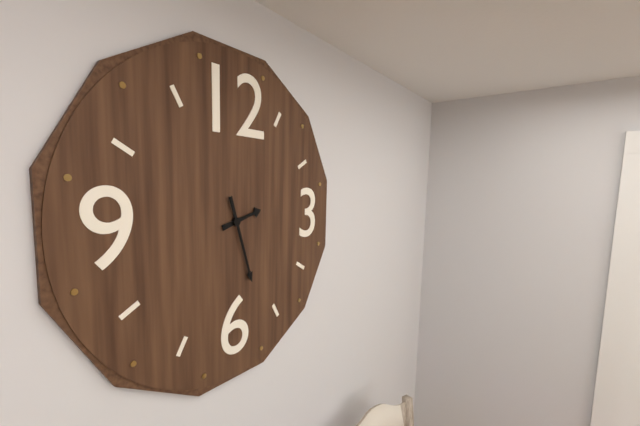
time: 2:27
